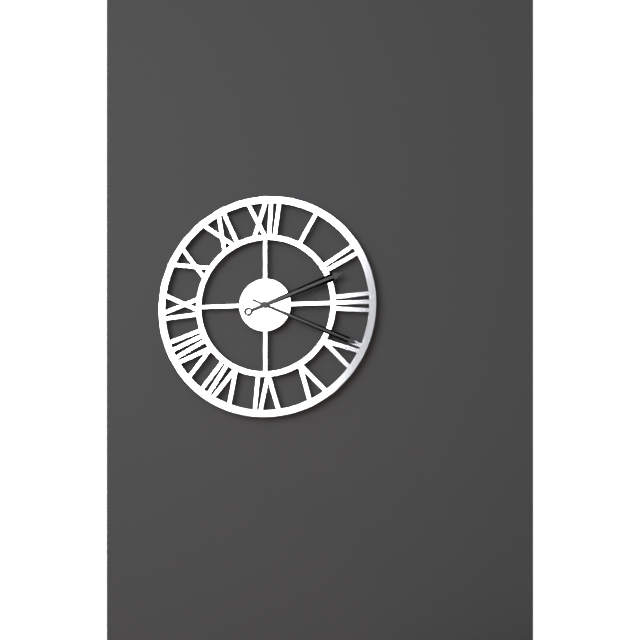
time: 2:19
